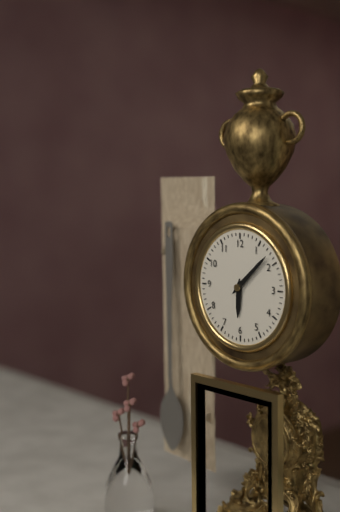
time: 6:08
